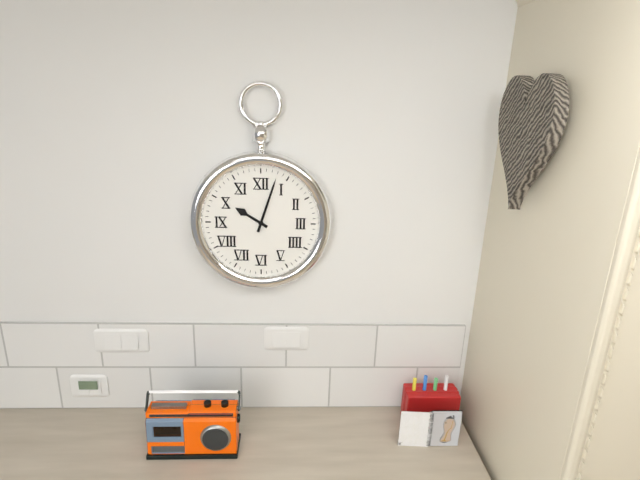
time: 10:03
